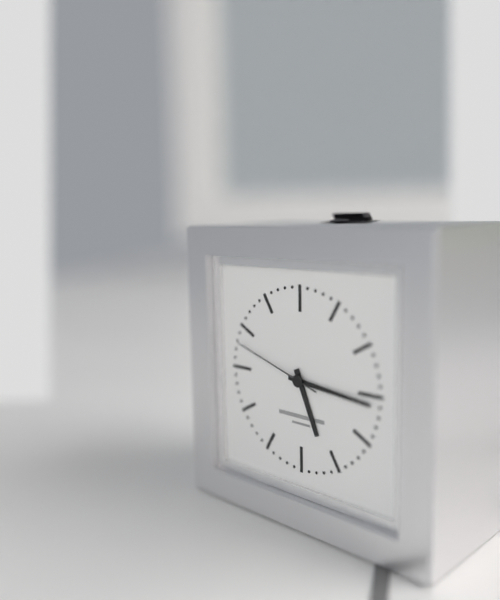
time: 5:16:48
